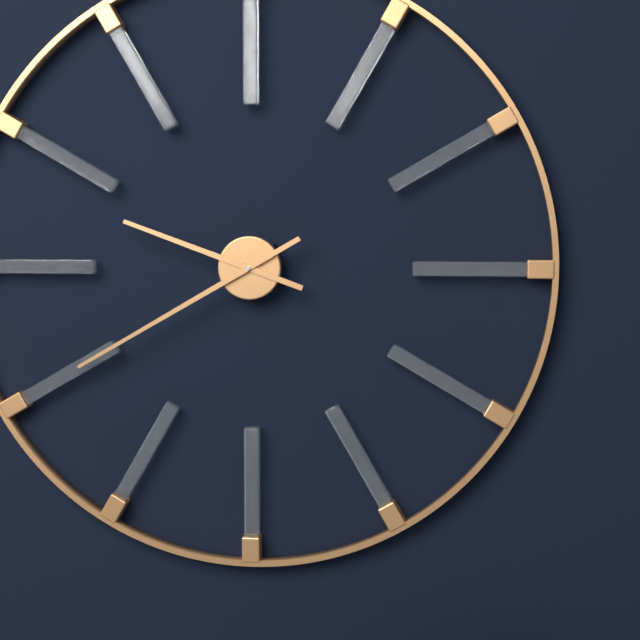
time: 9:40
